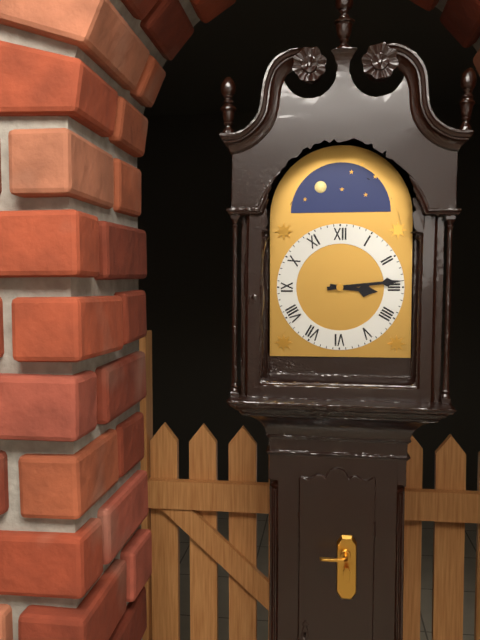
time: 3:14
